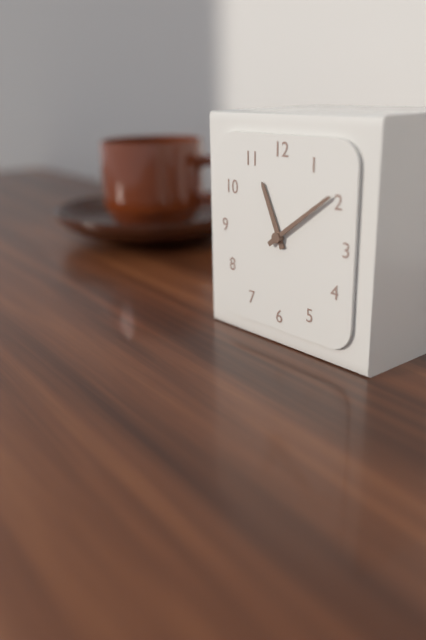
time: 11:09
